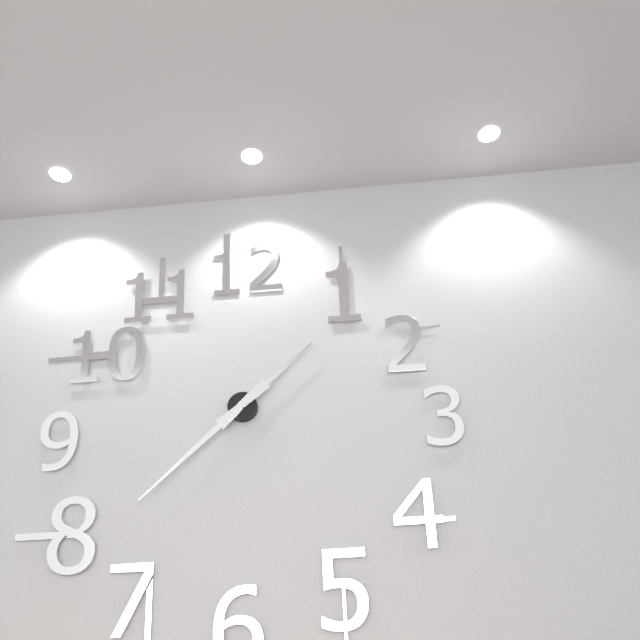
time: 1:38
